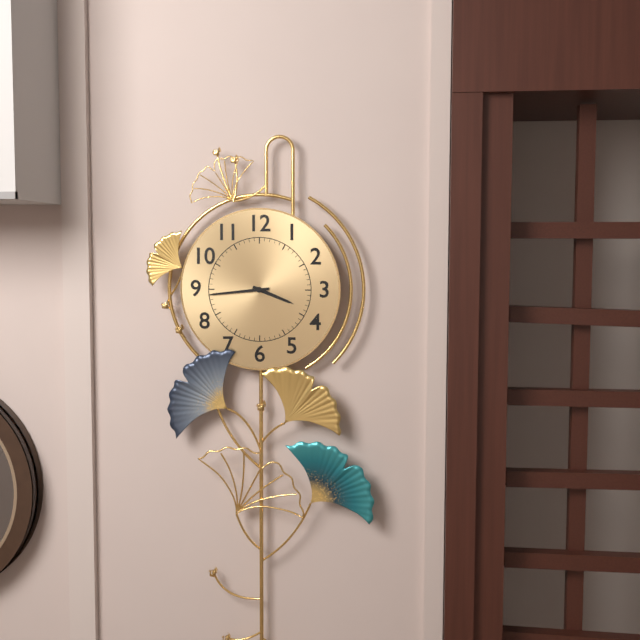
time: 3:44
